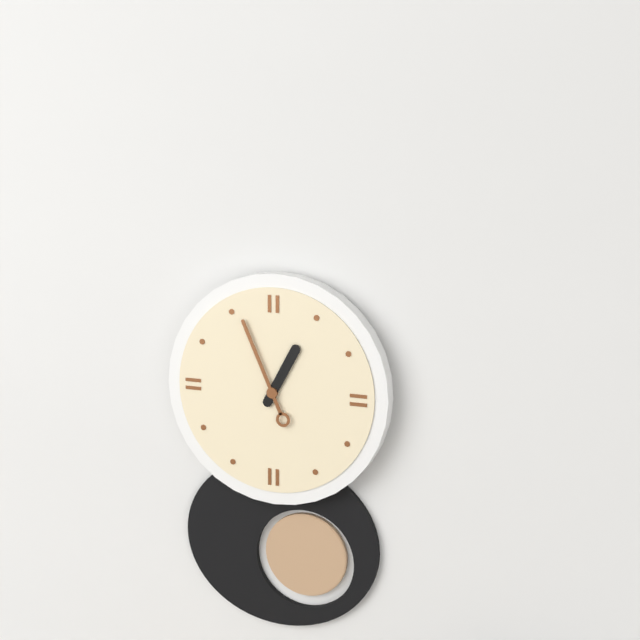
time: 12:56
